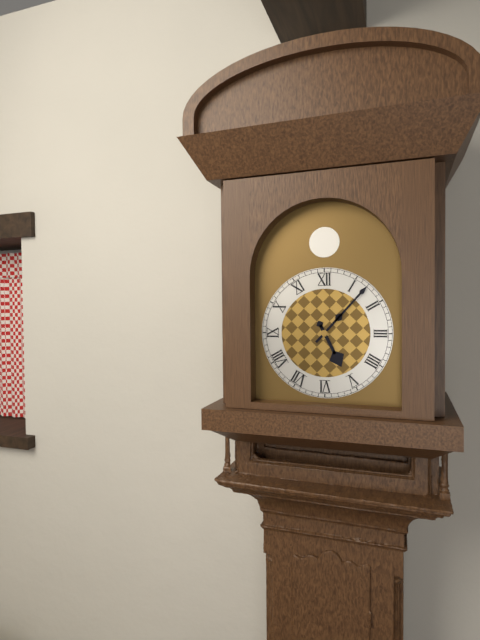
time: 5:07
